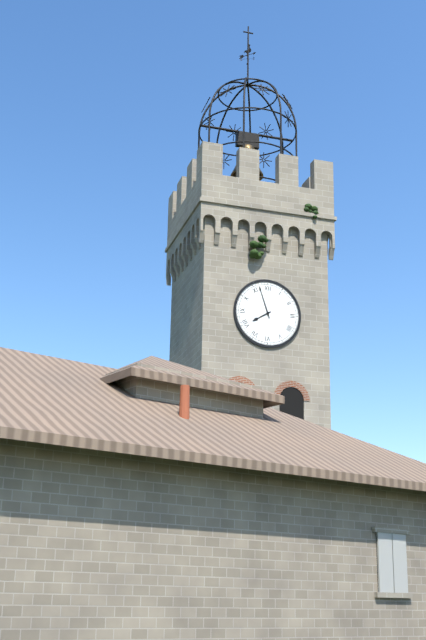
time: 7:57
